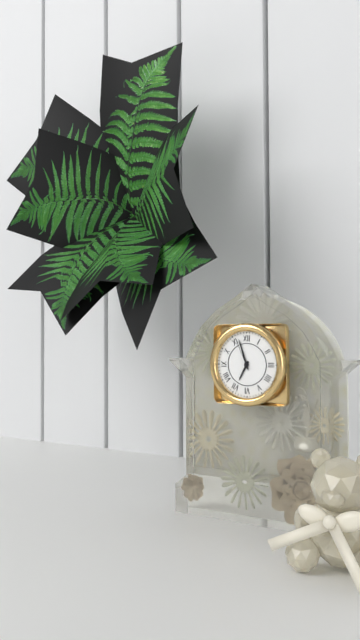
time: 6:57
